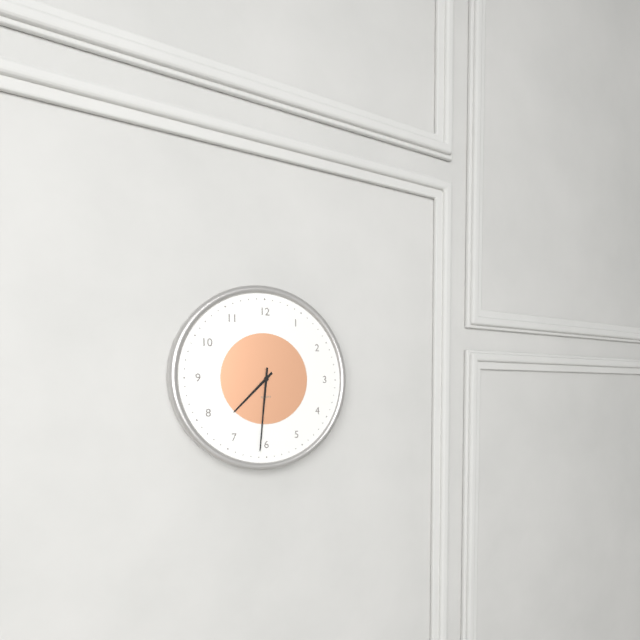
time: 7:31
